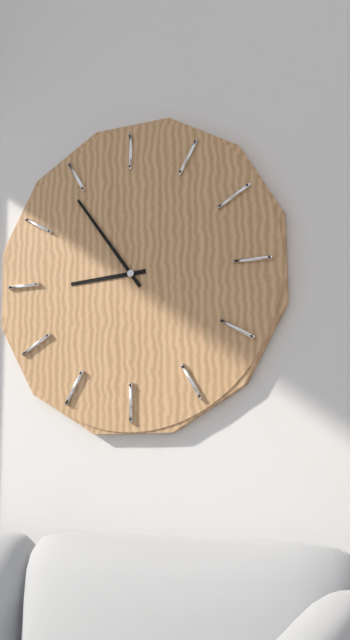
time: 8:54
